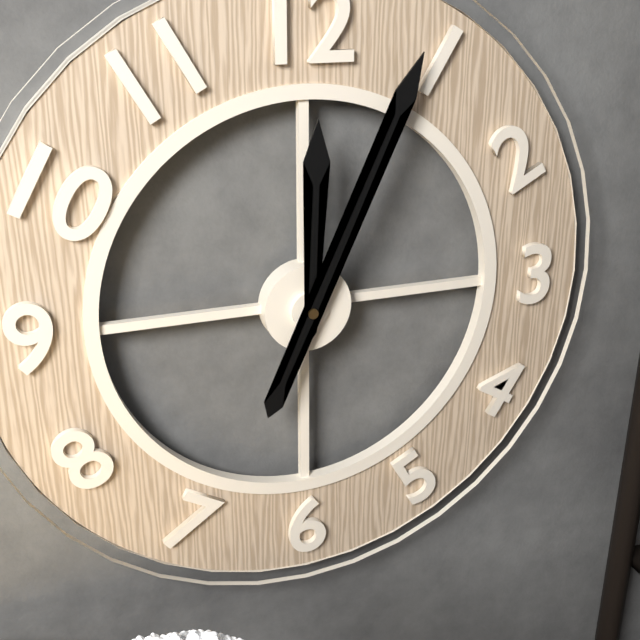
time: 12:04
